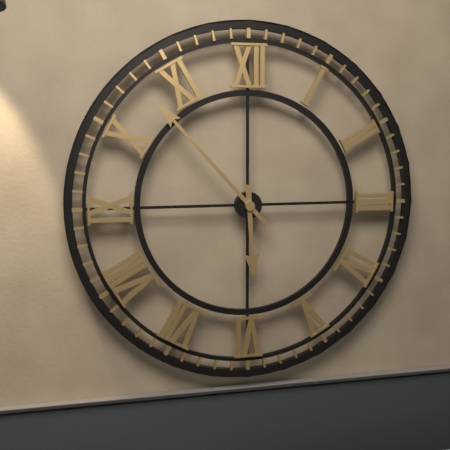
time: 5:53
